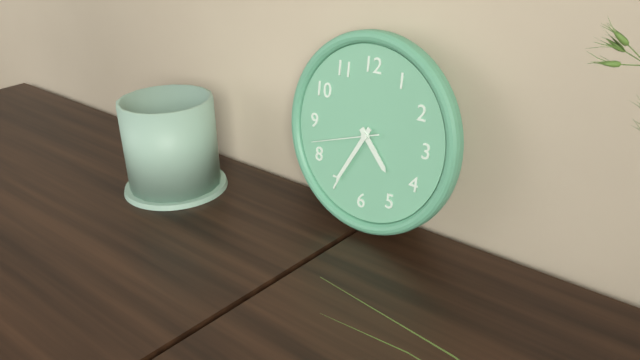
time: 4:35:42
